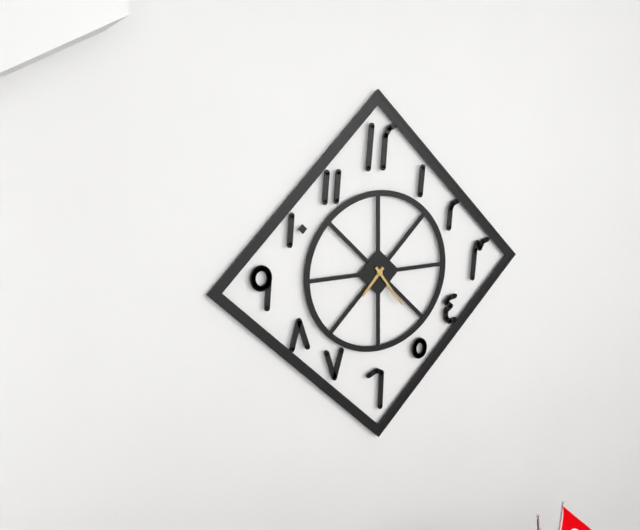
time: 7:24
